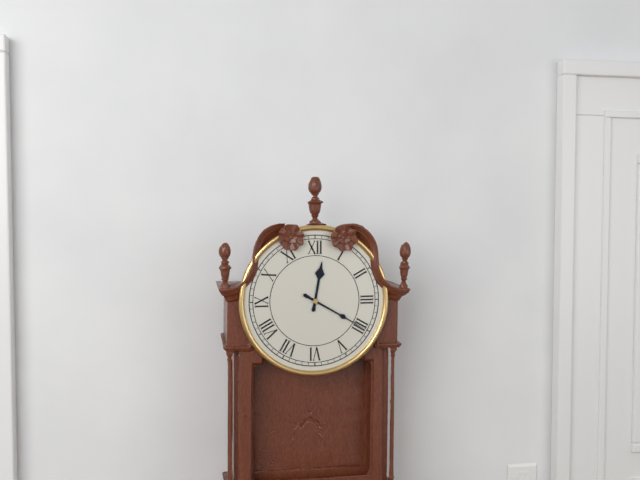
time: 12:20
